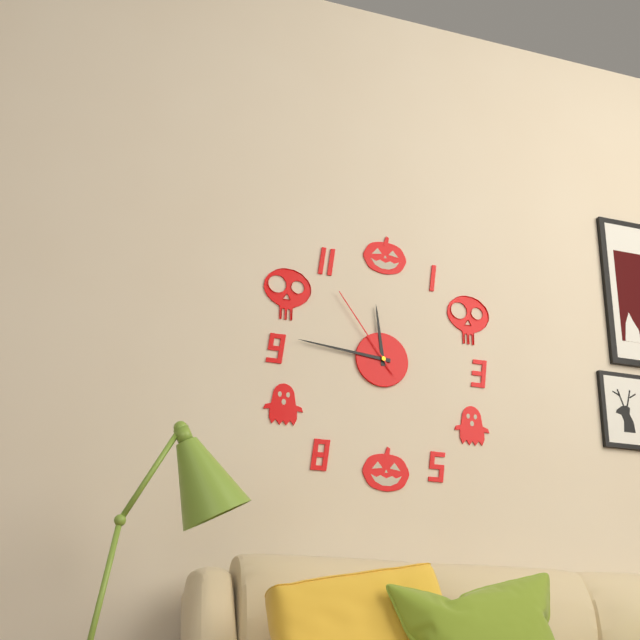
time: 11:46:54
